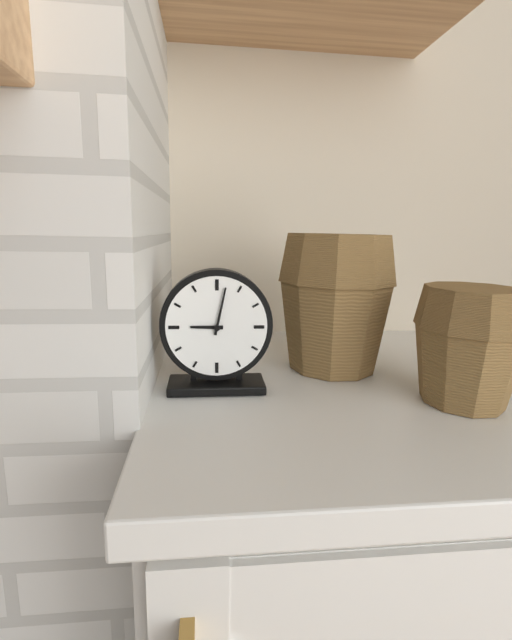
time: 9:02
